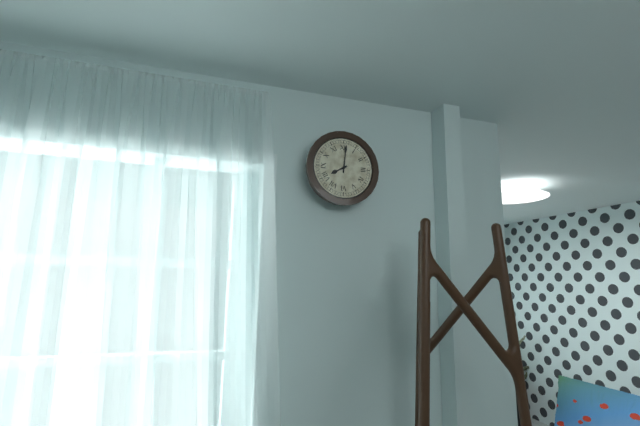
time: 8:01
